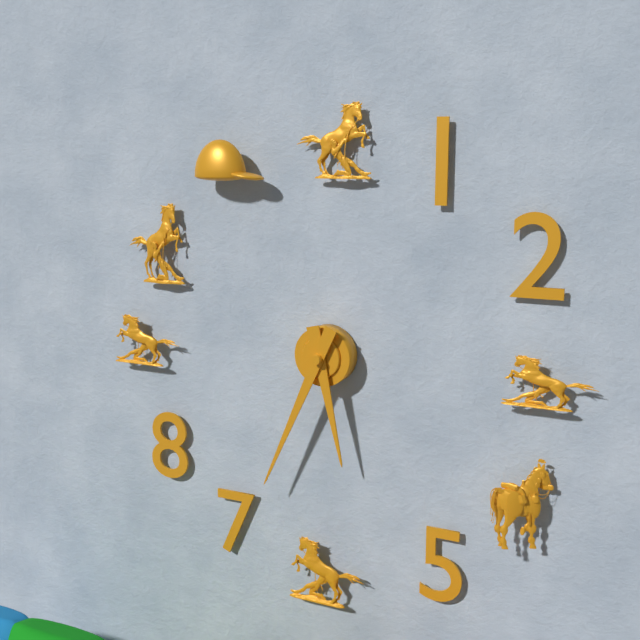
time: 5:34
